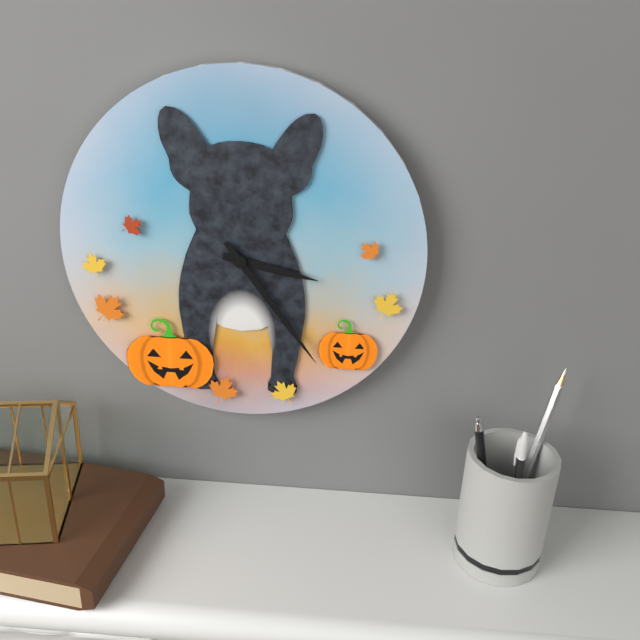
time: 3:24
